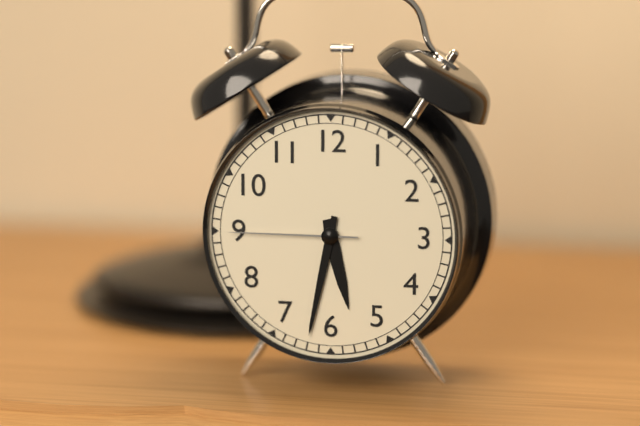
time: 5:32:45
